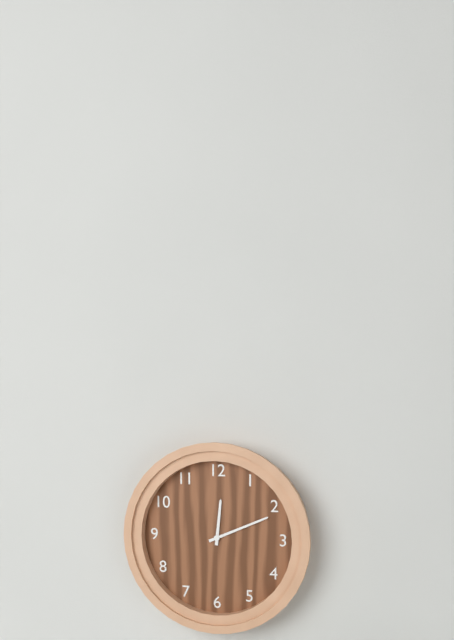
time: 12:11
